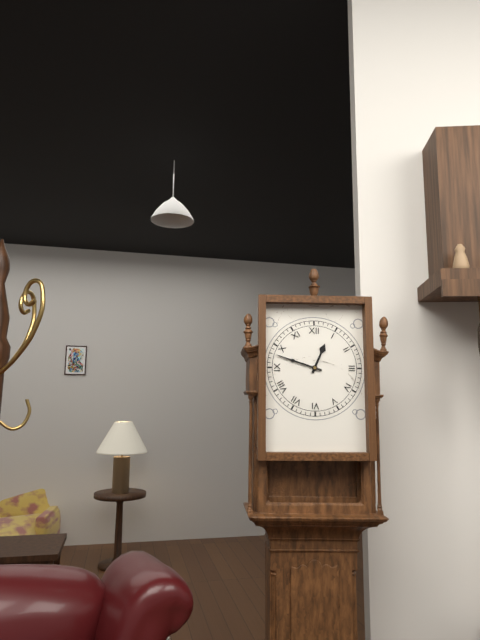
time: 12:48
